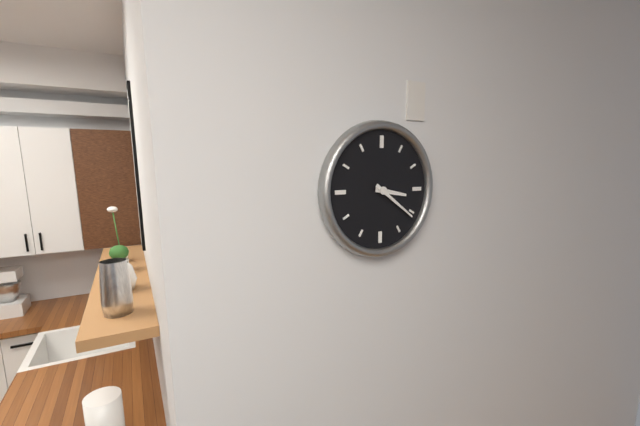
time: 3:21
